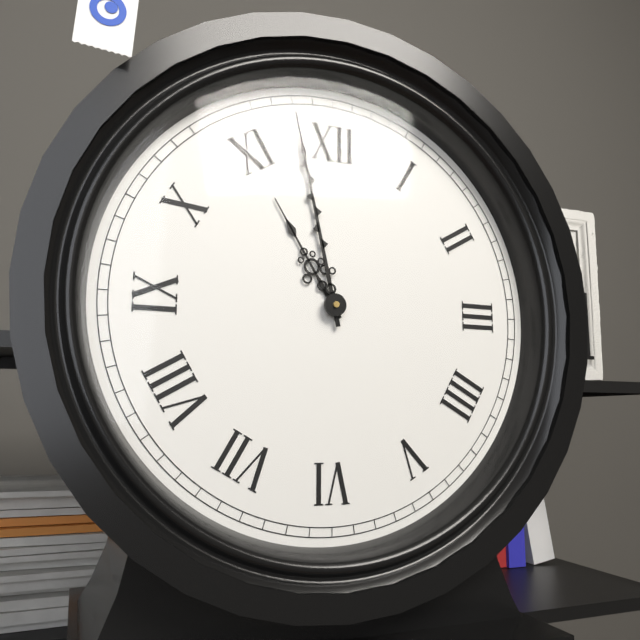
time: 10:58
